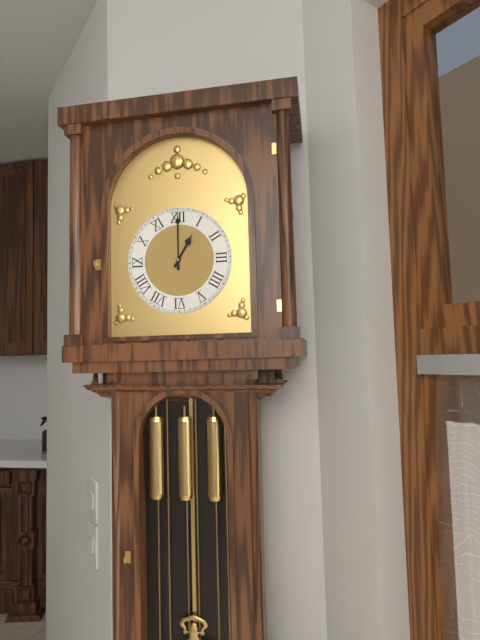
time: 1:00
